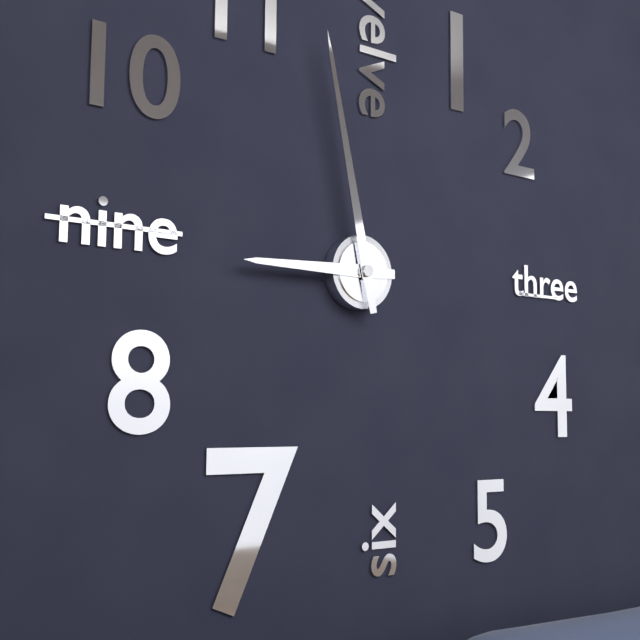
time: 8:58
